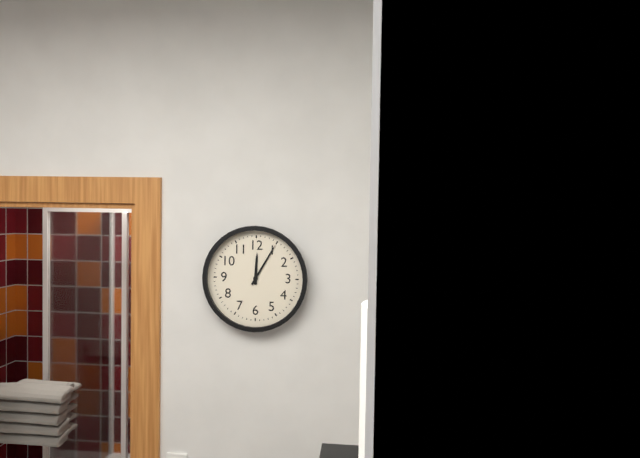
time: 12:05
